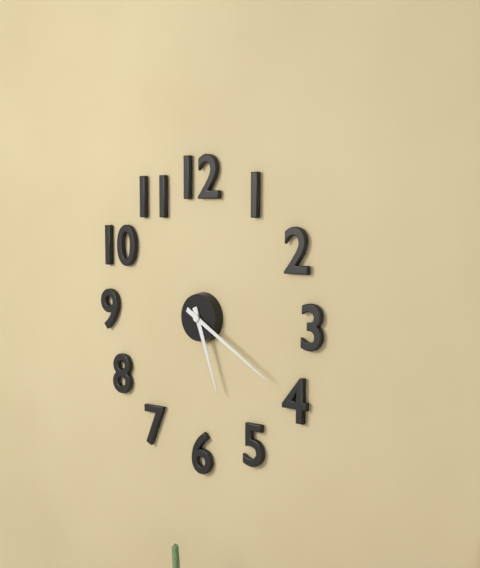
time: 5:20
